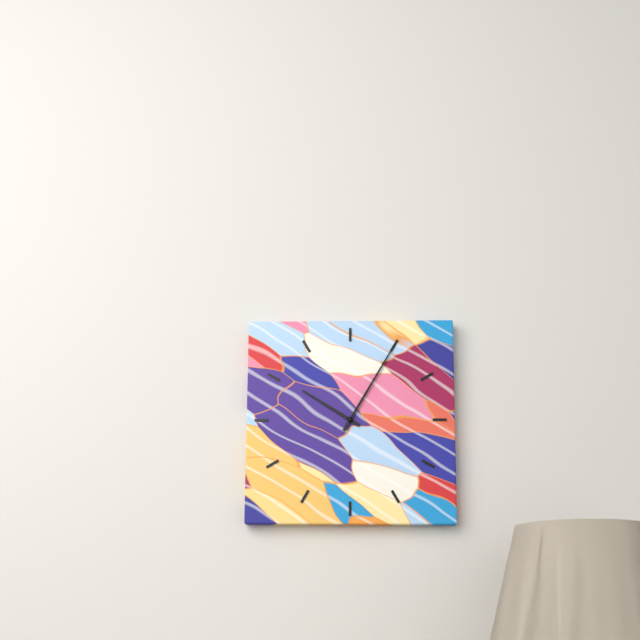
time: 10:05
